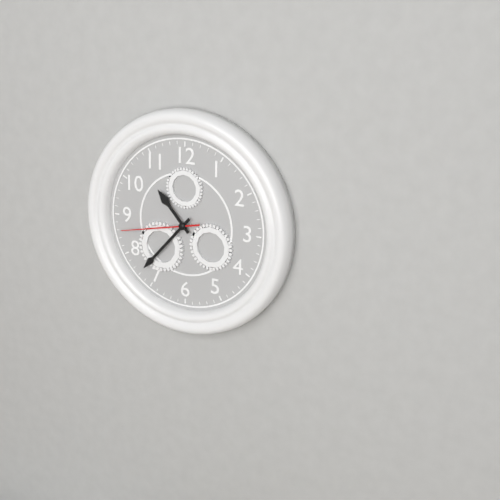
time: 10:37:43
